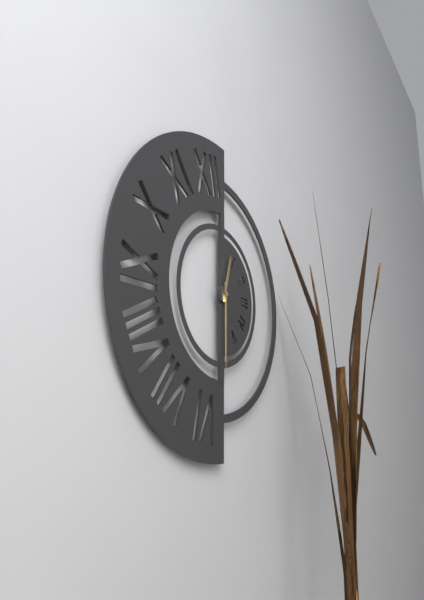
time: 12:30
